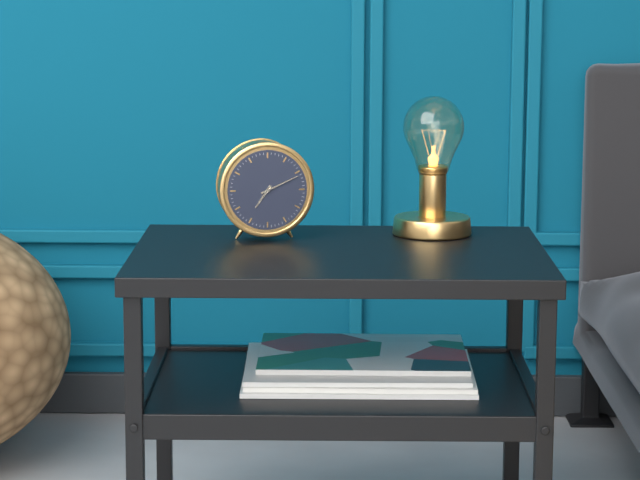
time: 7:11
